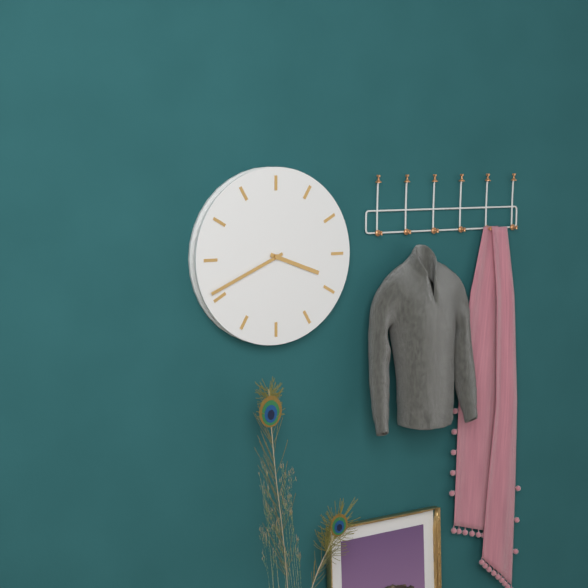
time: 3:41
